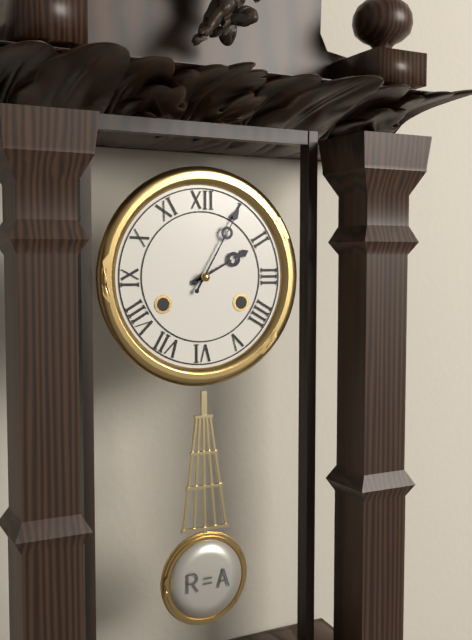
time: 2:05
